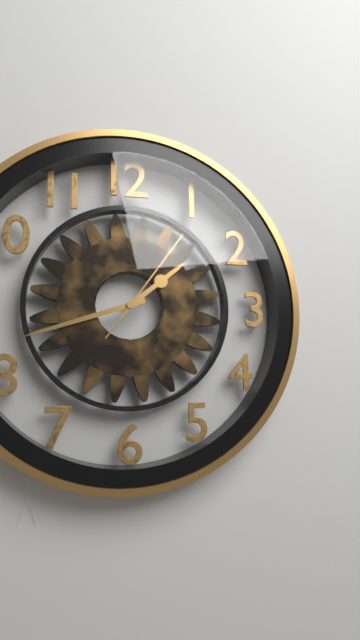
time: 1:42:06
